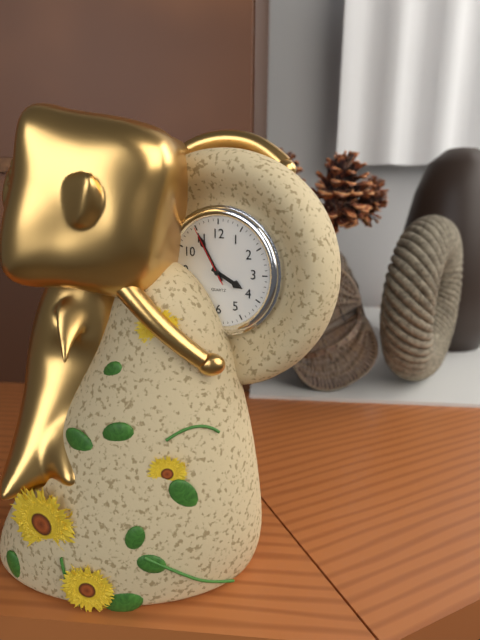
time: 3:55:55
